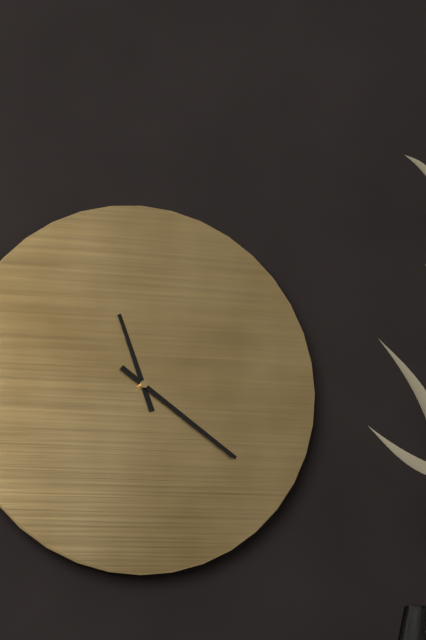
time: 11:21
